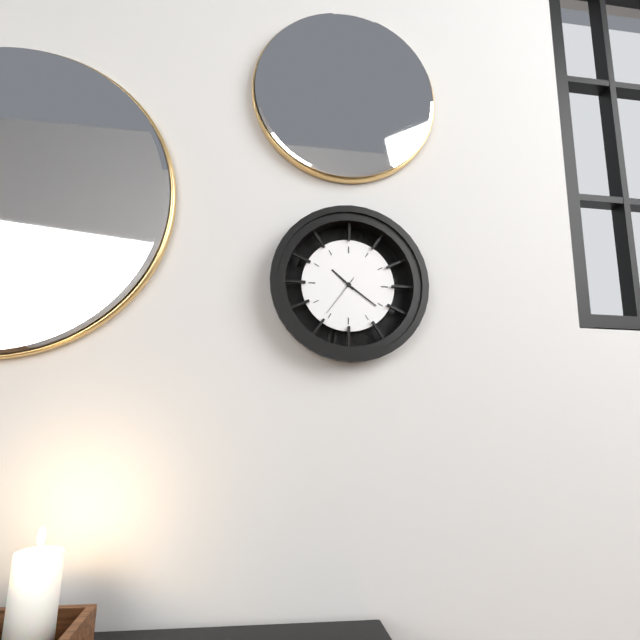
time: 10:21
